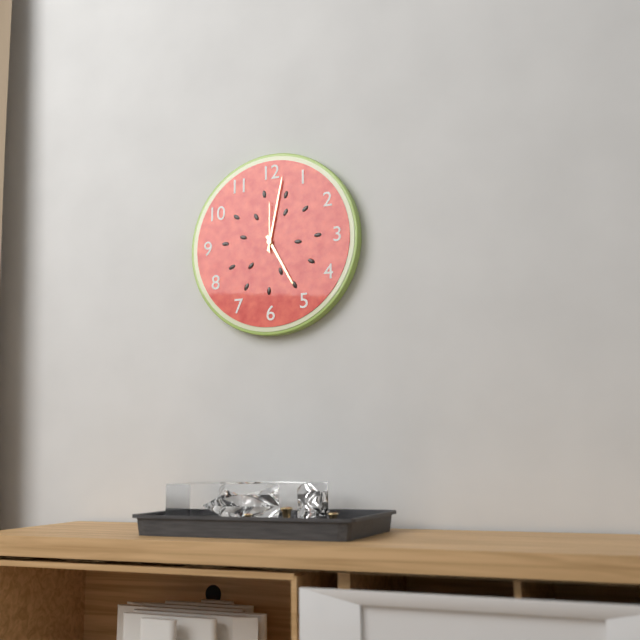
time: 5:02:00
